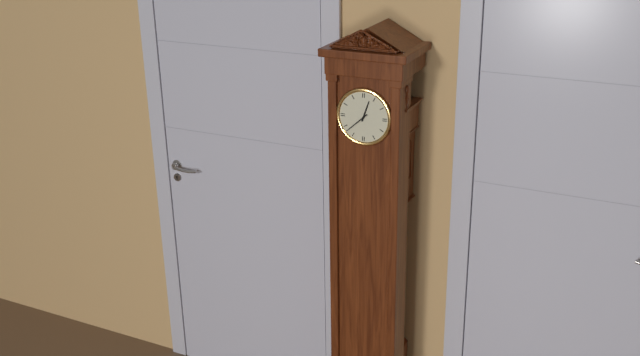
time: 12:38
